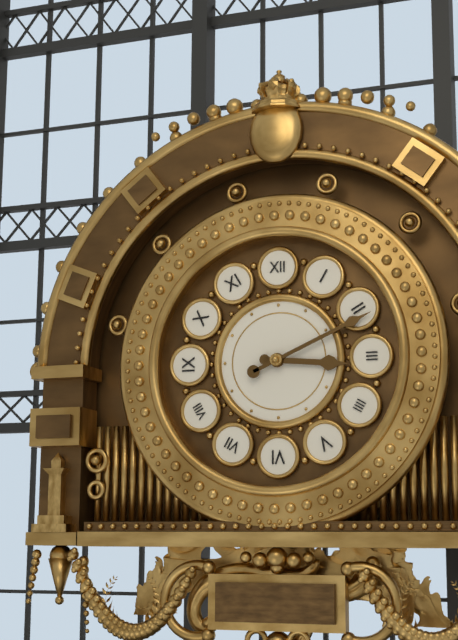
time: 3:11
